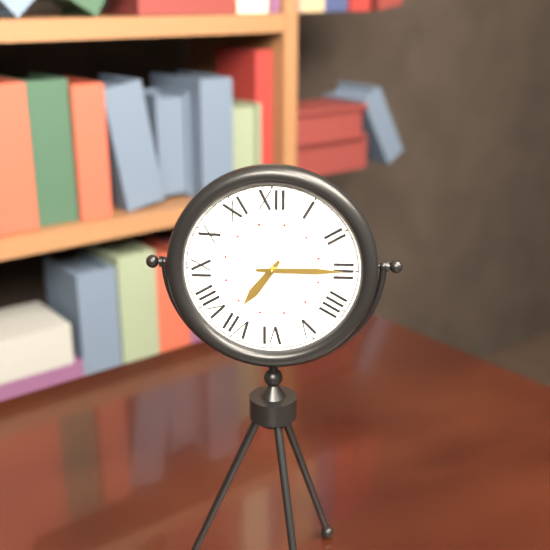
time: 7:15
